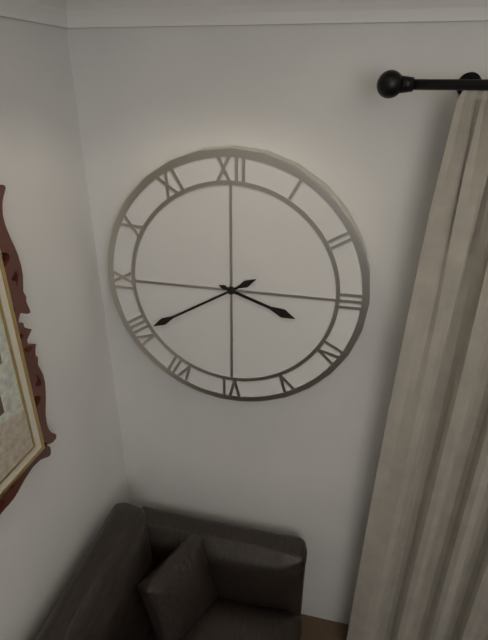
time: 3:40
